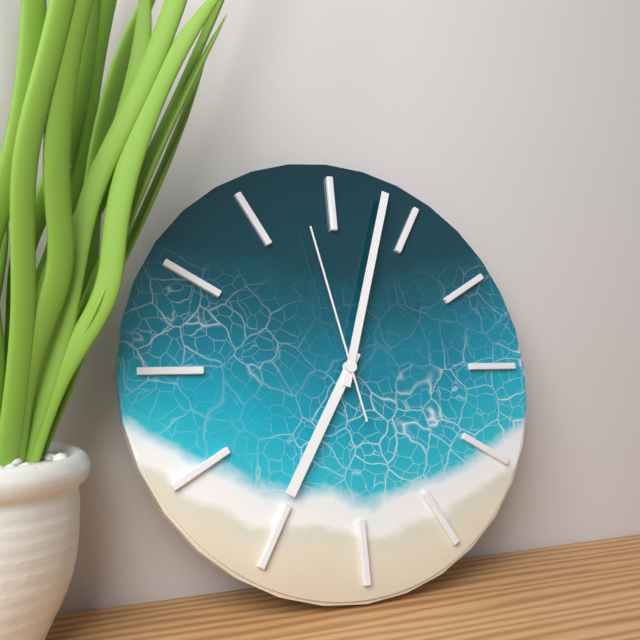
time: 7:03:58
